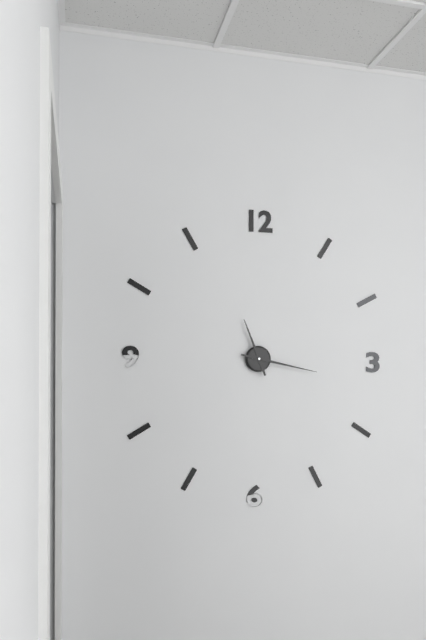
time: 11:17
